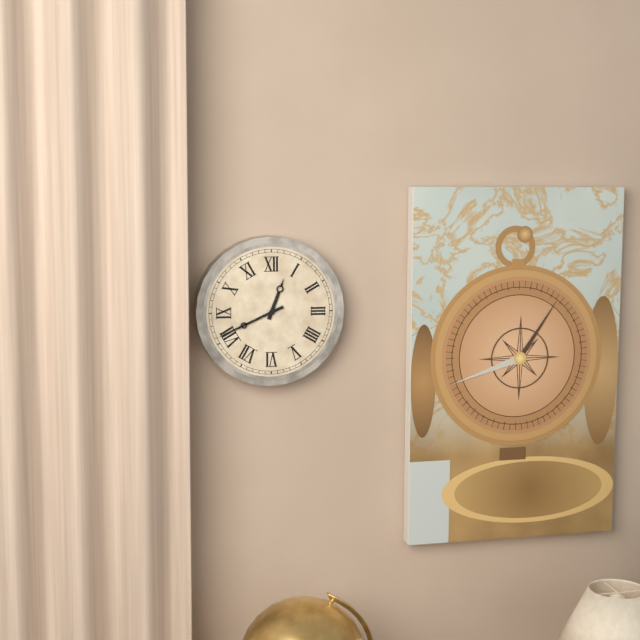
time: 12:41
